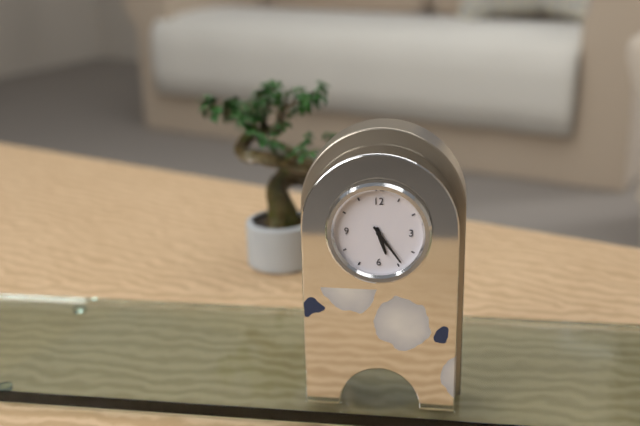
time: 5:24
